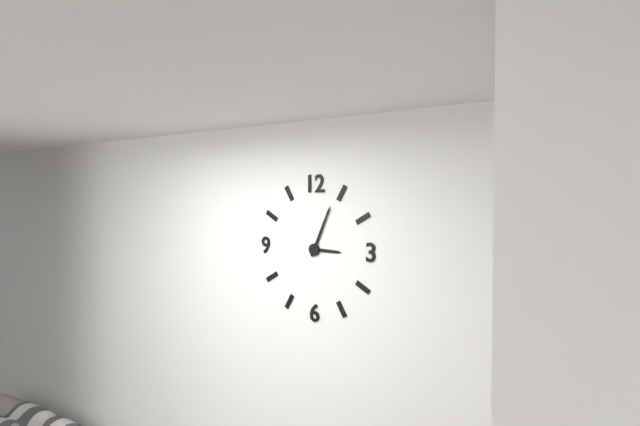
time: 3:04
